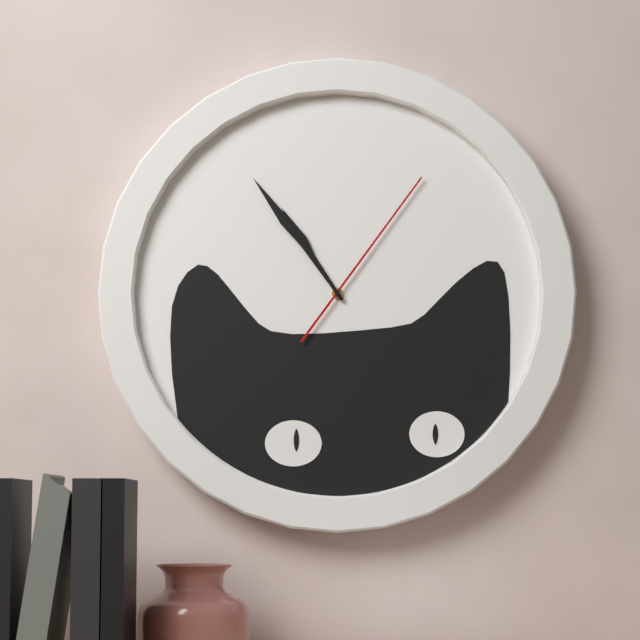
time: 10:54:06
